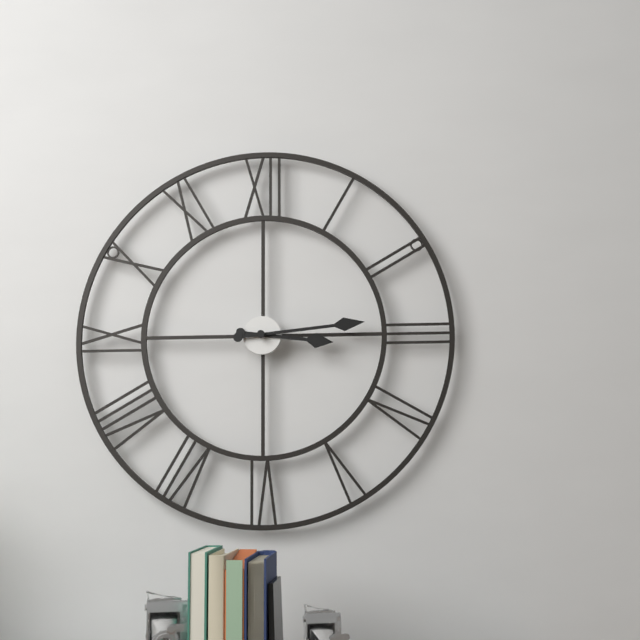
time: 3:14
